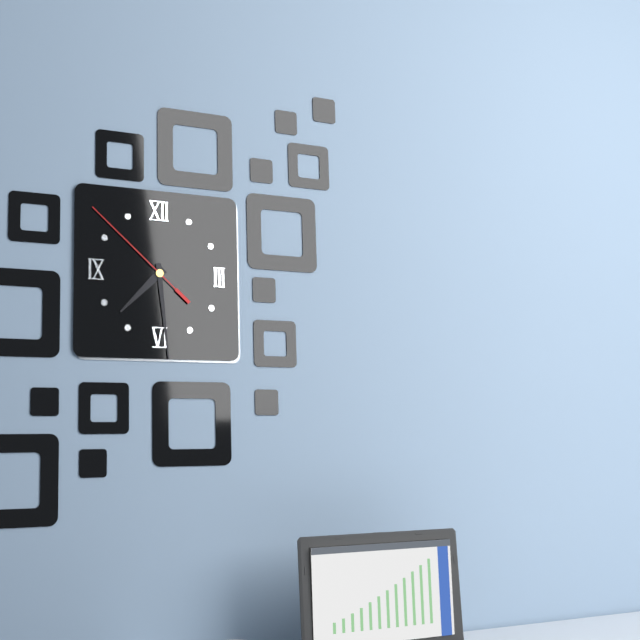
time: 7:29:52
